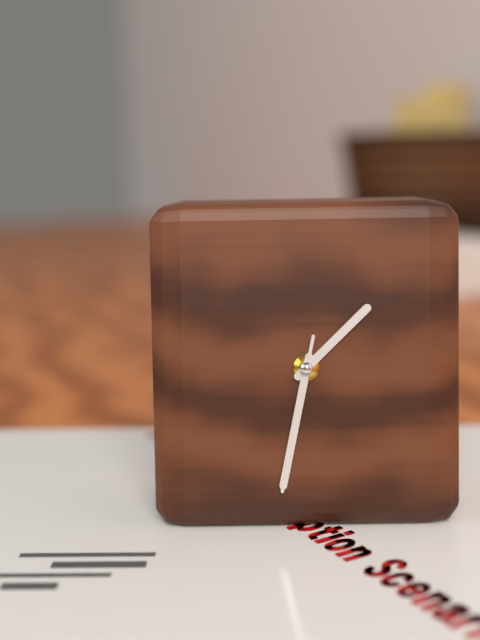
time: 1:32:32
